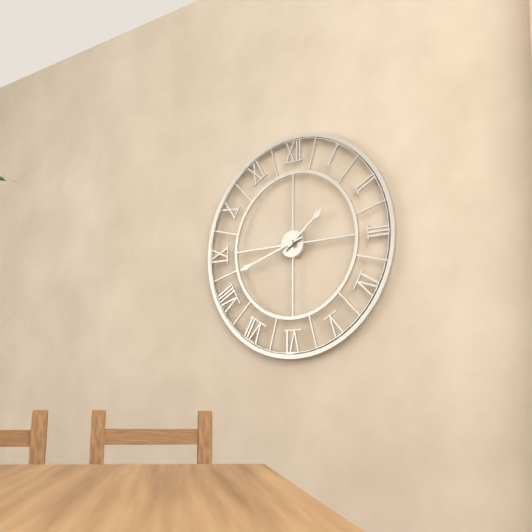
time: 1:42
